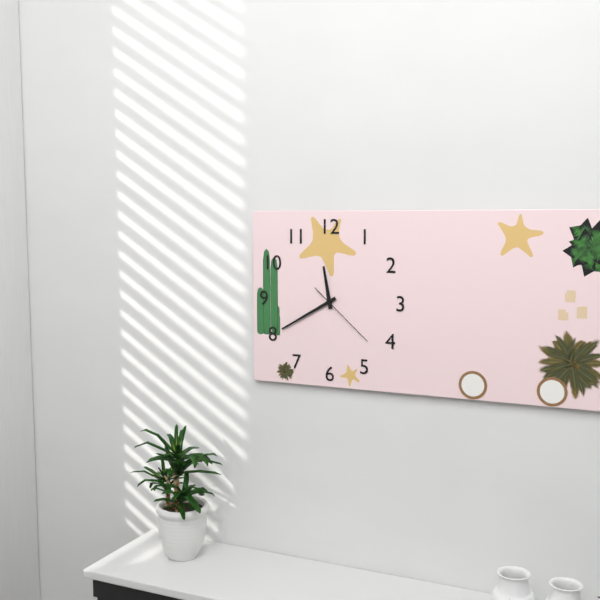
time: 11:40:22
